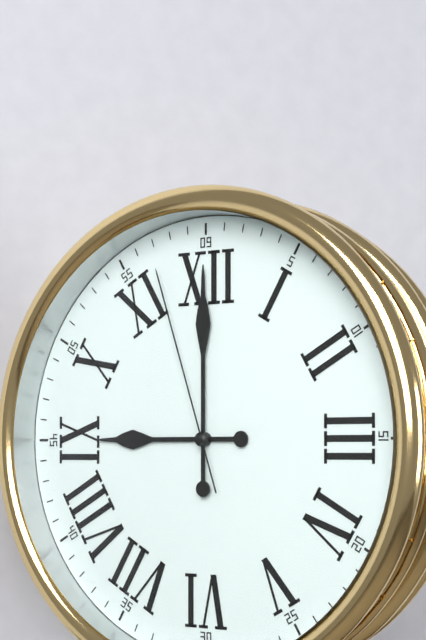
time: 9:00:57
